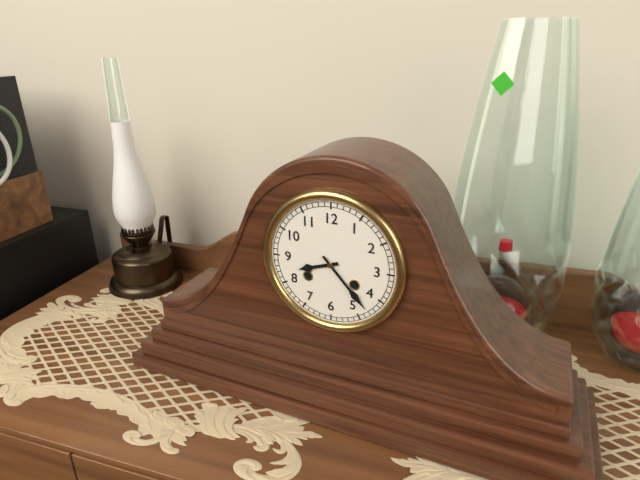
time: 8:23
